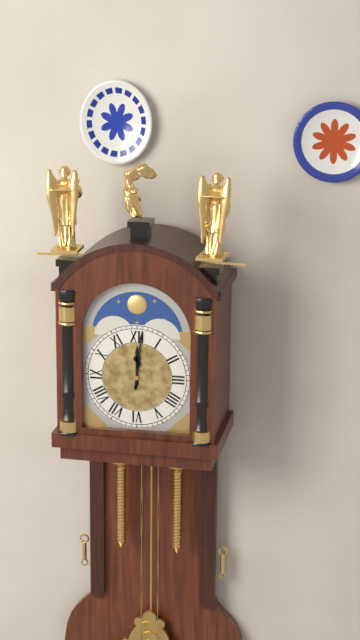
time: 12:01
